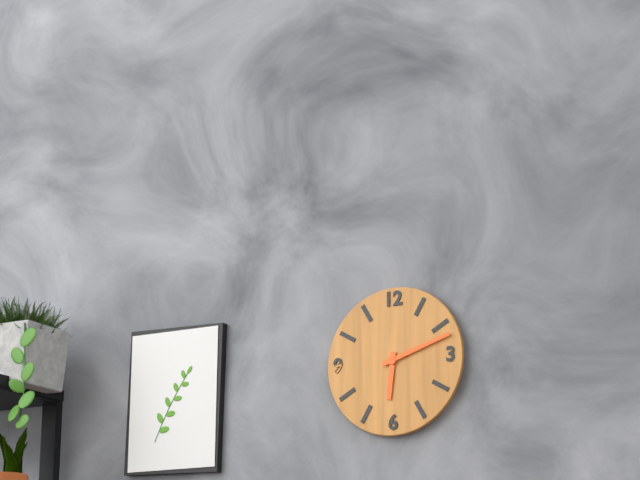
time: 6:12
